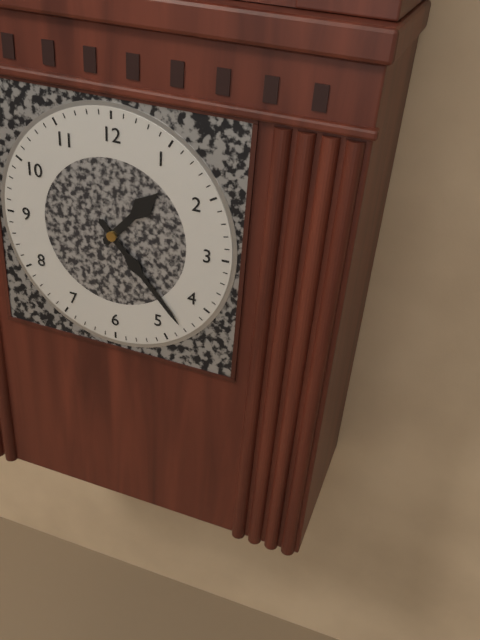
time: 1:23
